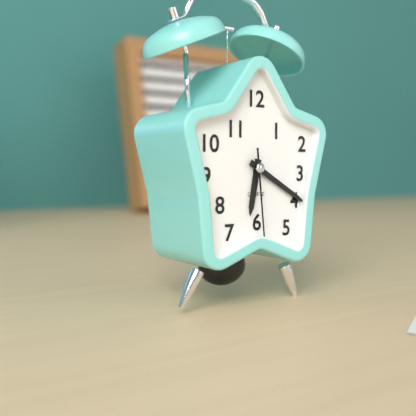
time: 6:20:29
